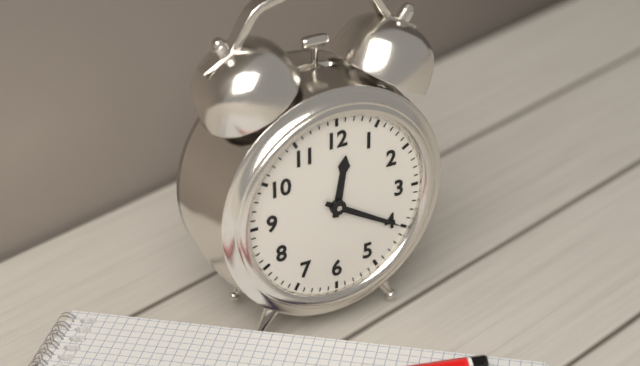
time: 12:20
